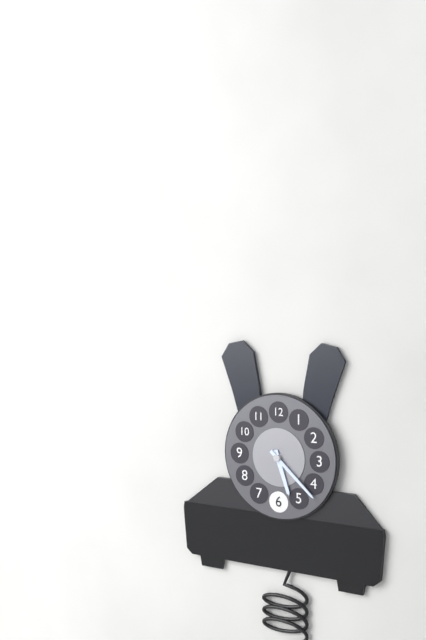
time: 5:22
